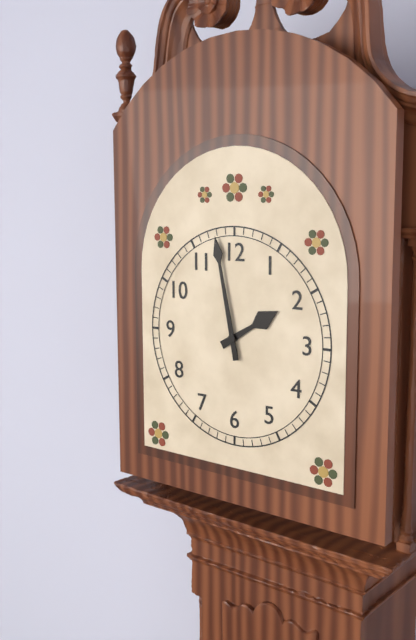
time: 1:58
